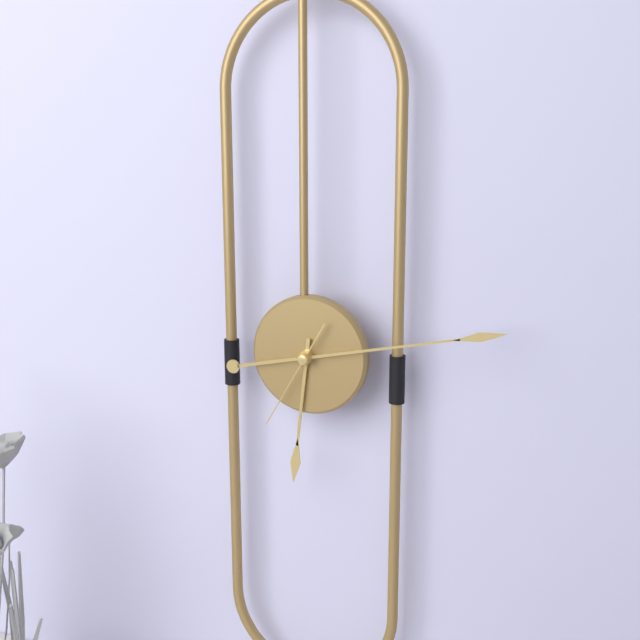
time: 6:13:35
